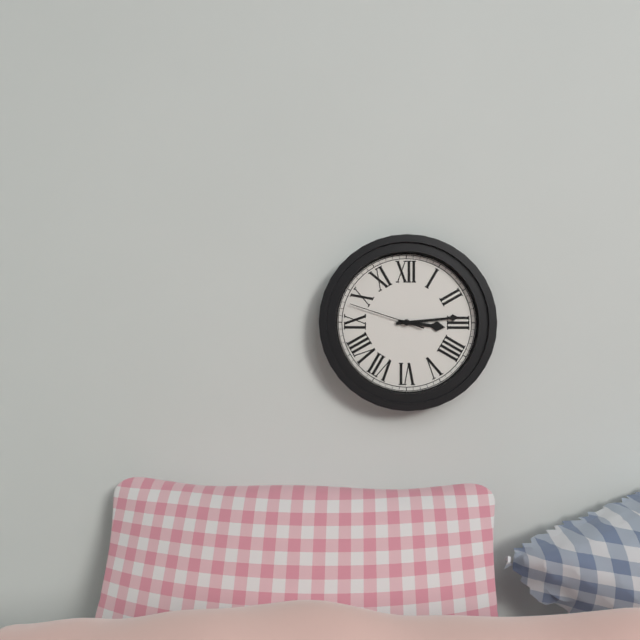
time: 3:14:48
